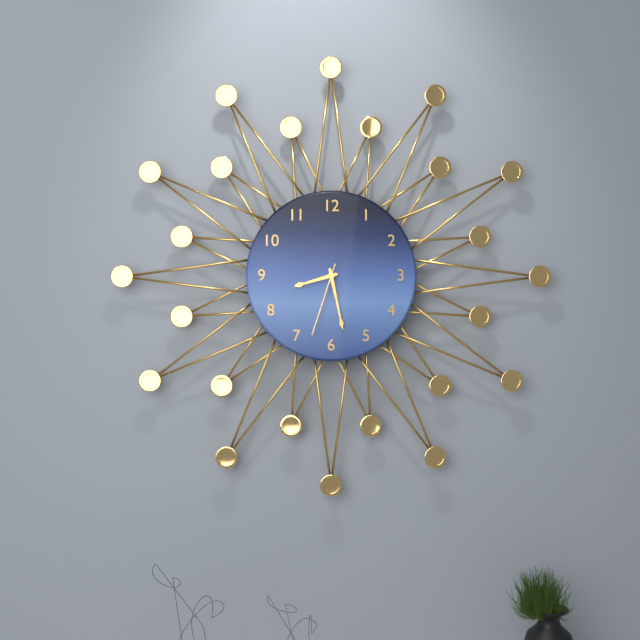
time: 8:28:33
